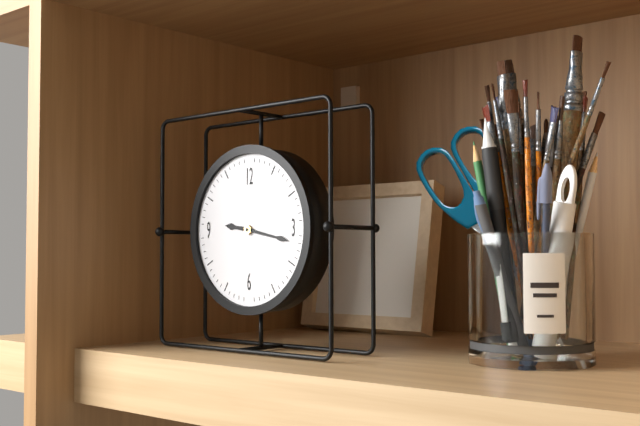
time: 9:17
